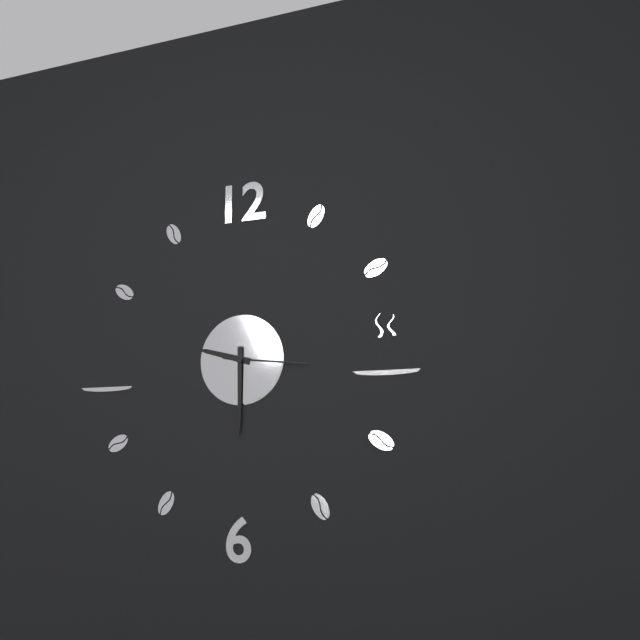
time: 9:30:16
